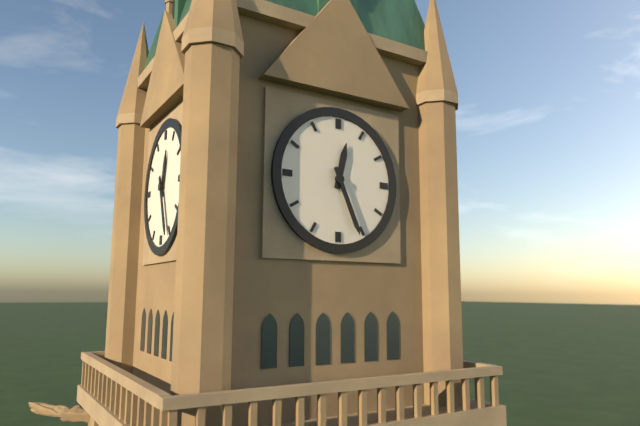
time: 12:26
